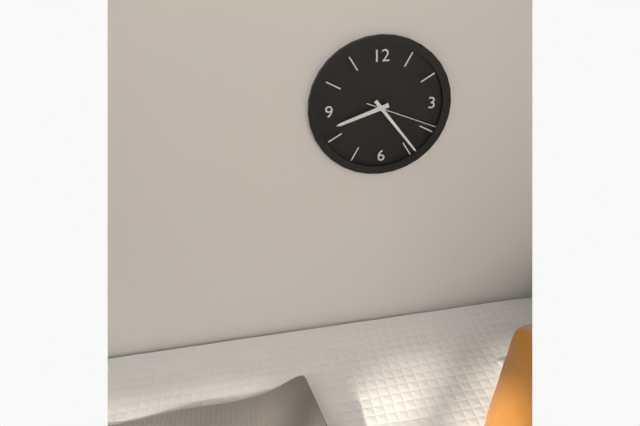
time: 8:24:19
